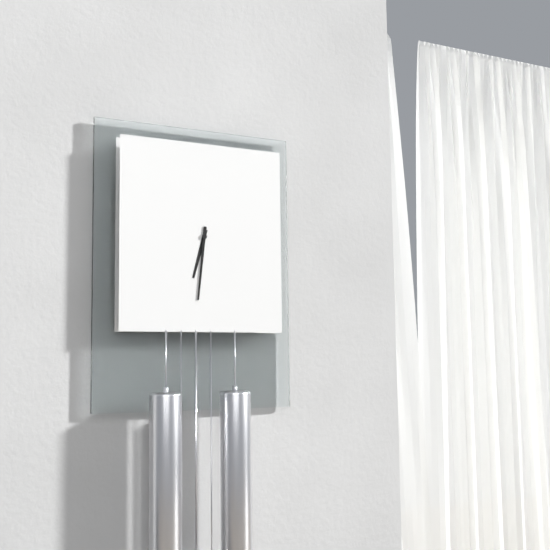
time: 6:31
